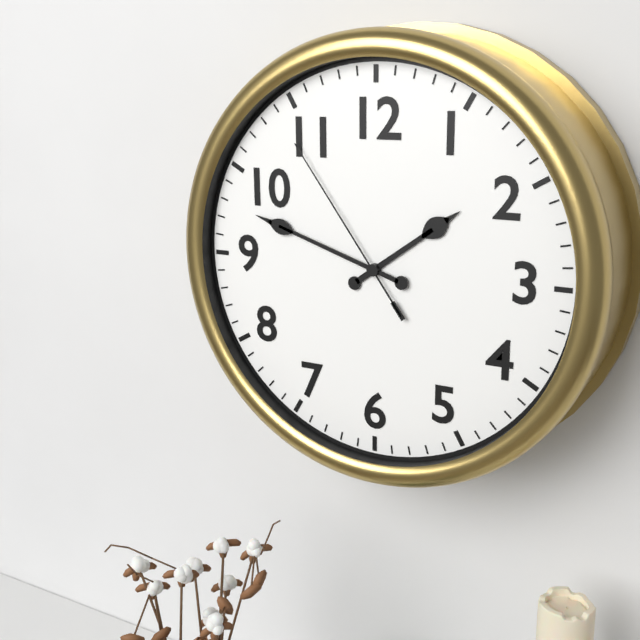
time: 1:48:54
